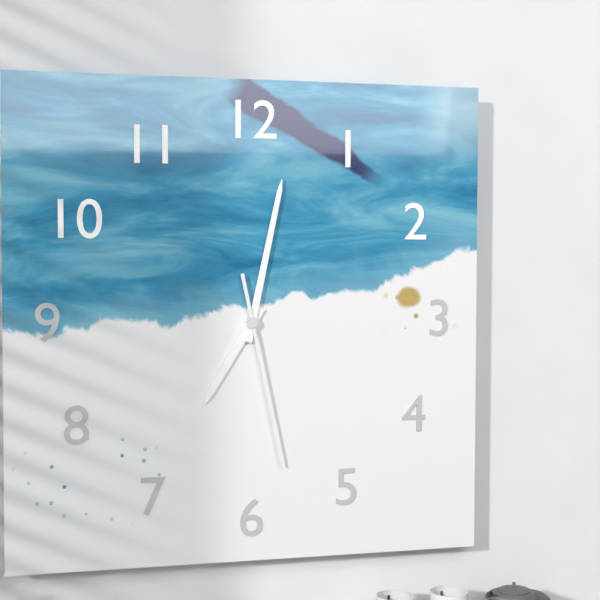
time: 7:02:28
